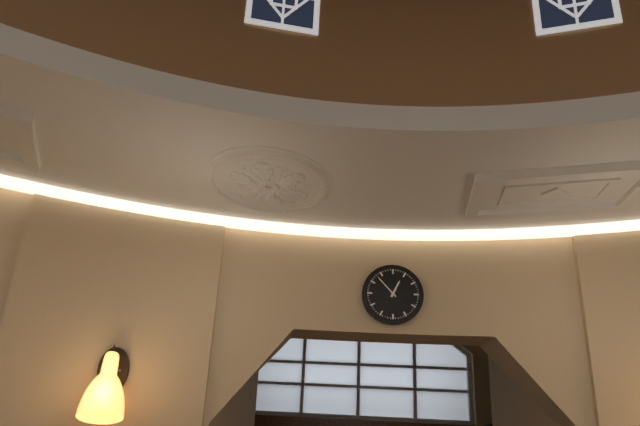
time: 12:53
